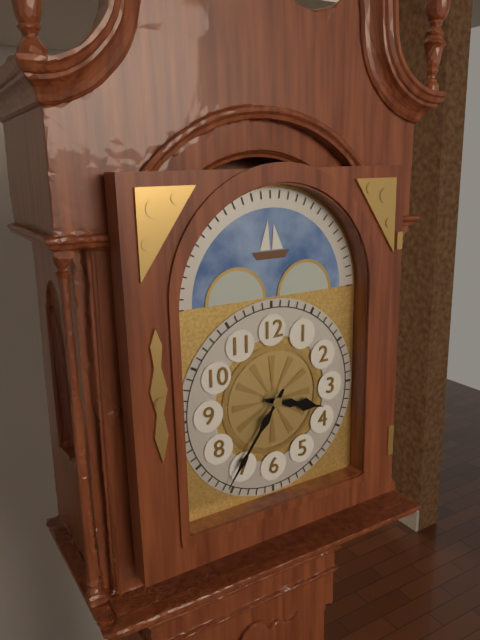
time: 3:36
